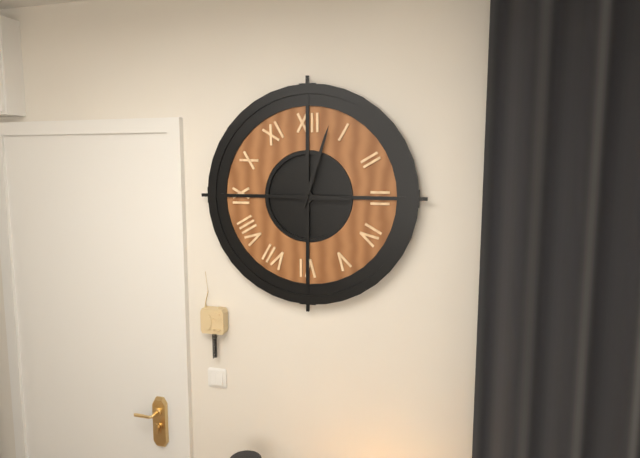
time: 3:03
